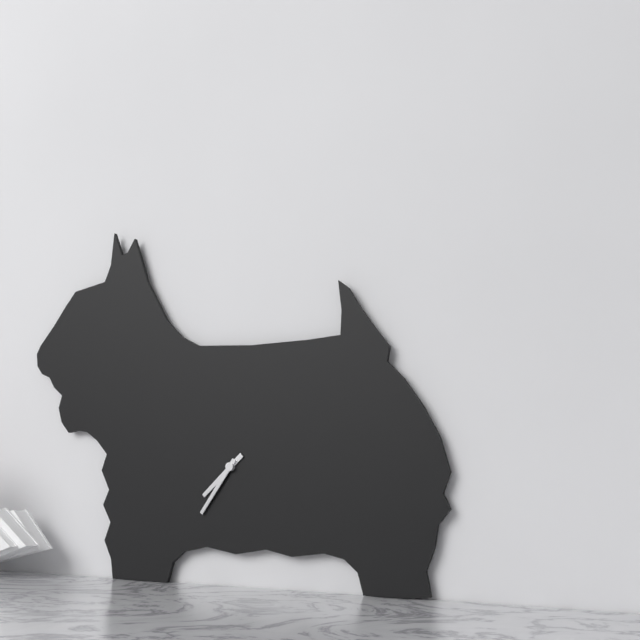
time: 7:36
